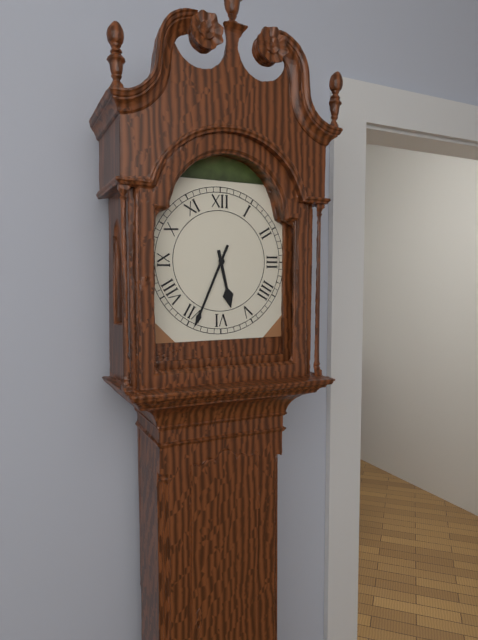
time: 5:34
